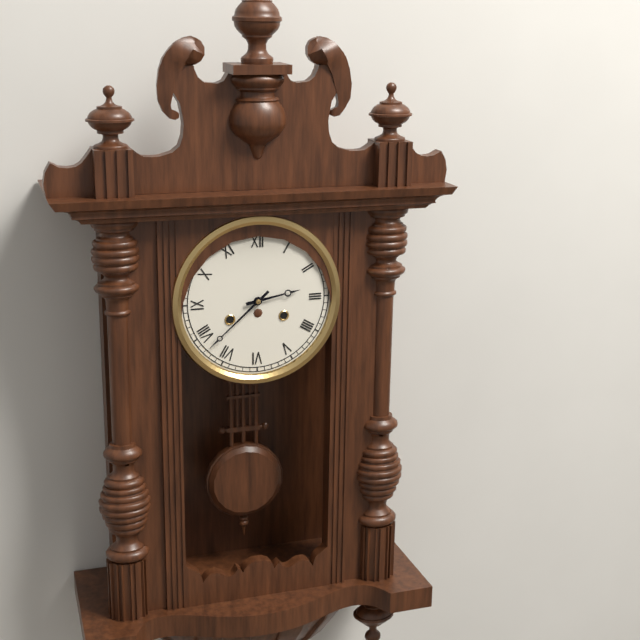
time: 2:38
